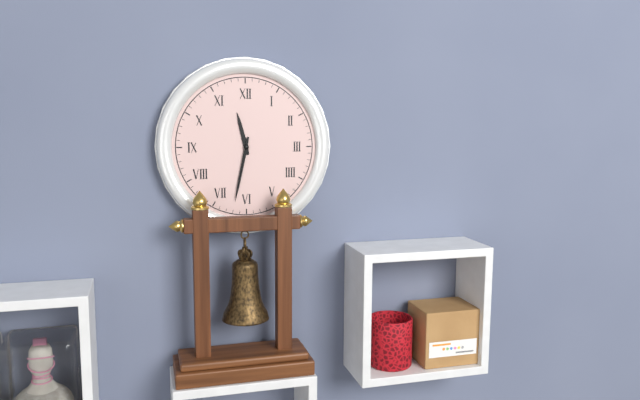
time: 11:32
